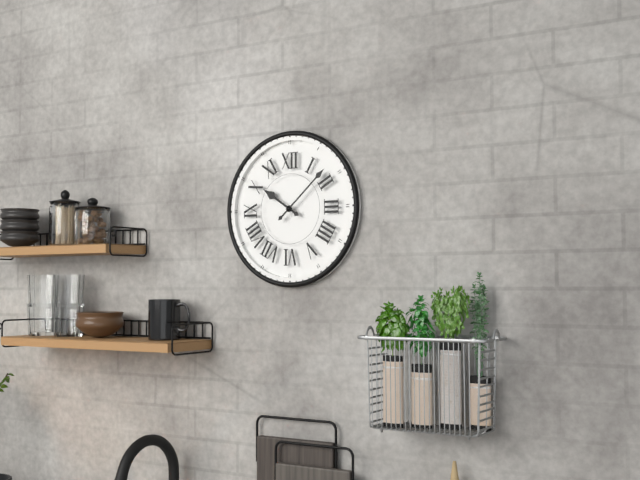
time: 10:08
